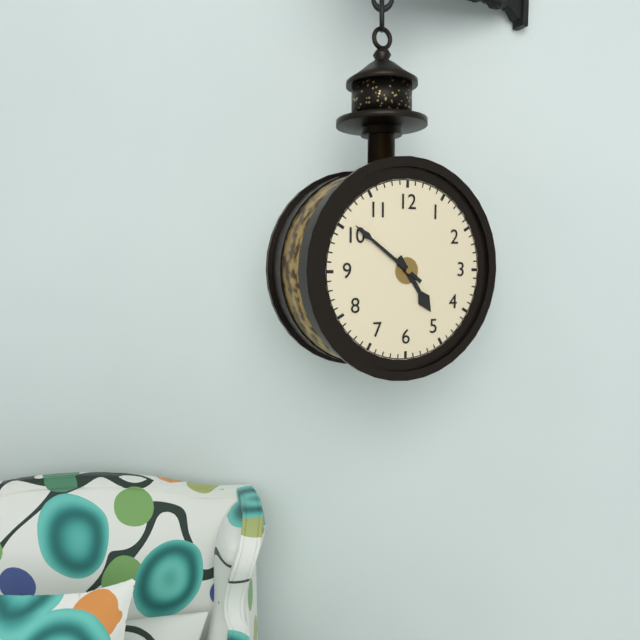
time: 4:51
